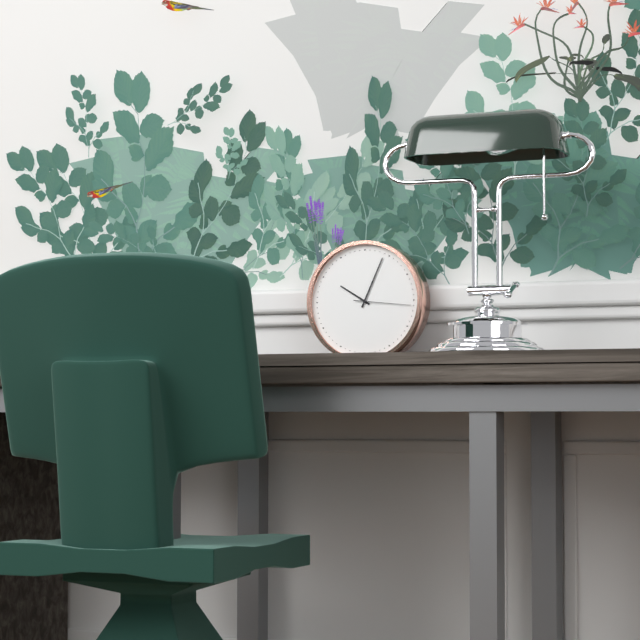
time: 10:04:16
